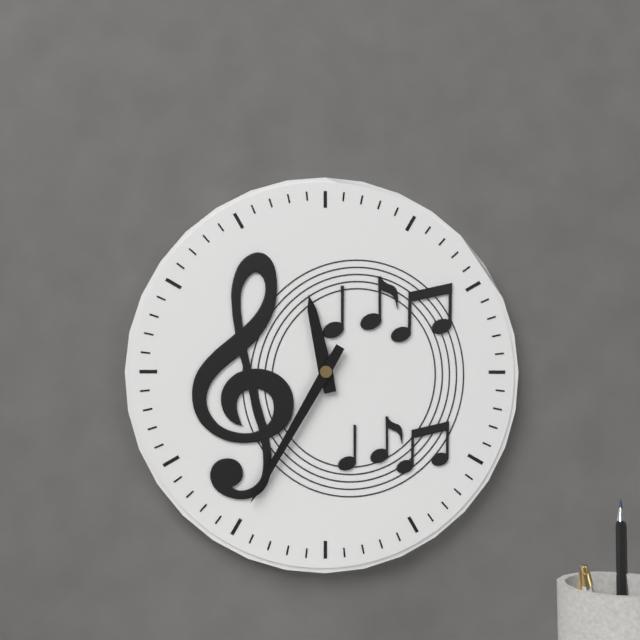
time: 11:35
